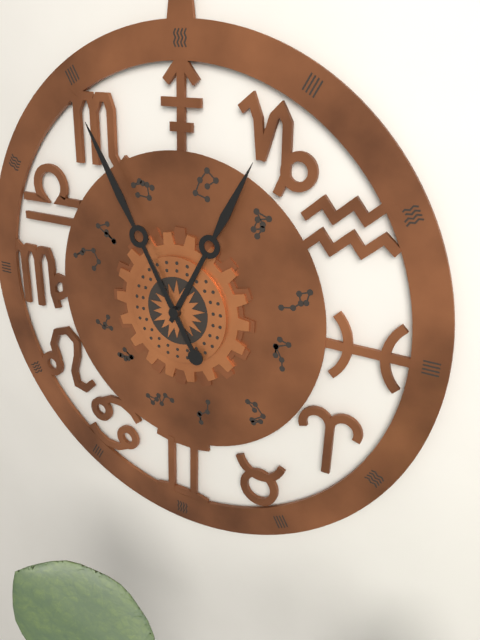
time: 12:55
